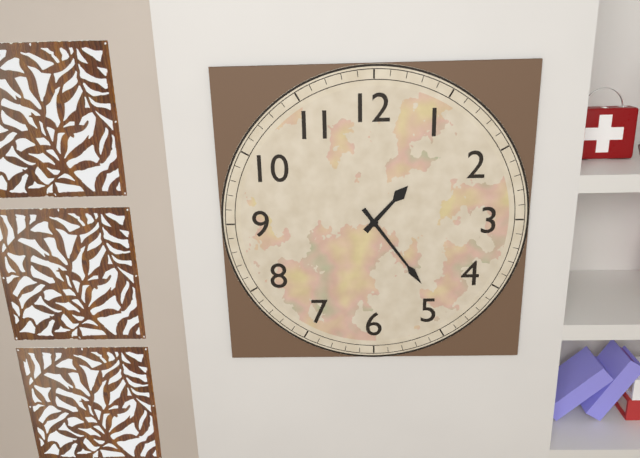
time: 1:24
